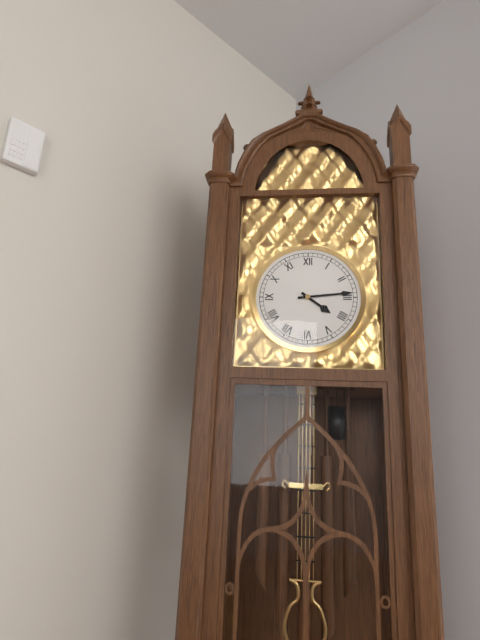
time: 4:14
